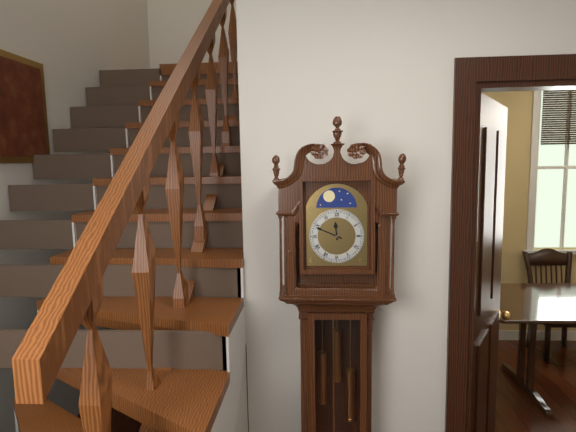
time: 11:49
